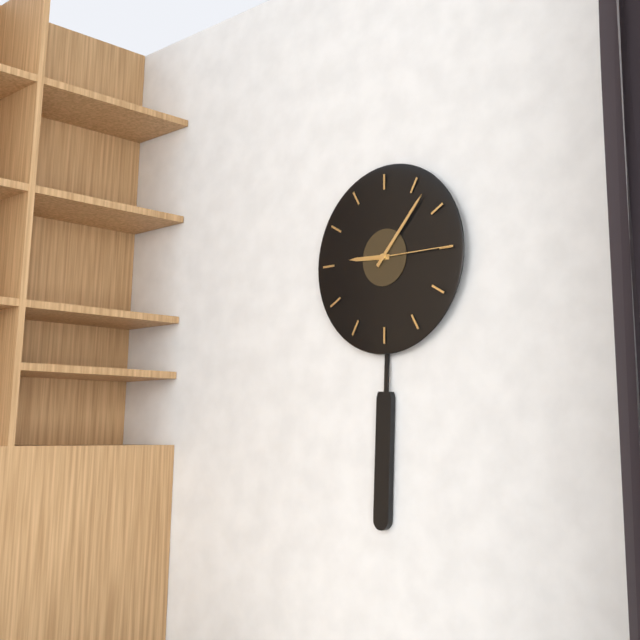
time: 9:07:15
